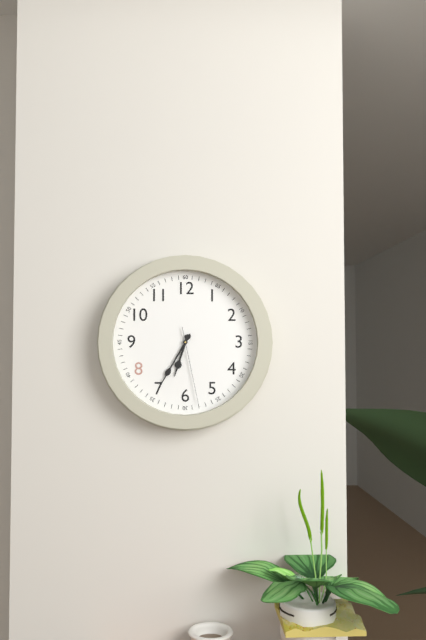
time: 6:35:28
